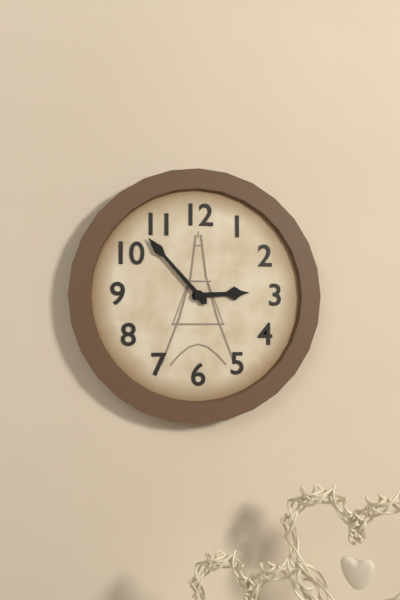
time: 2:53
